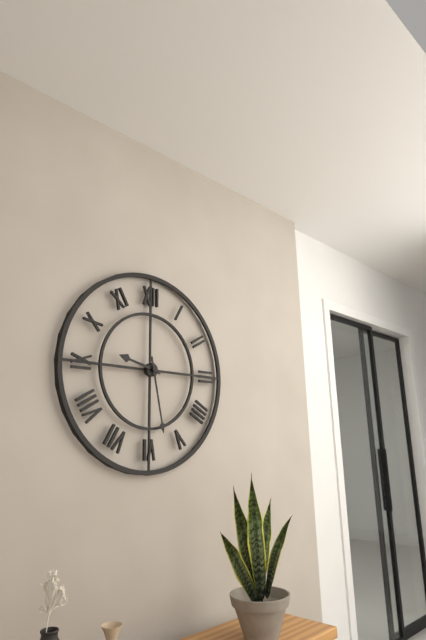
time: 9:28
